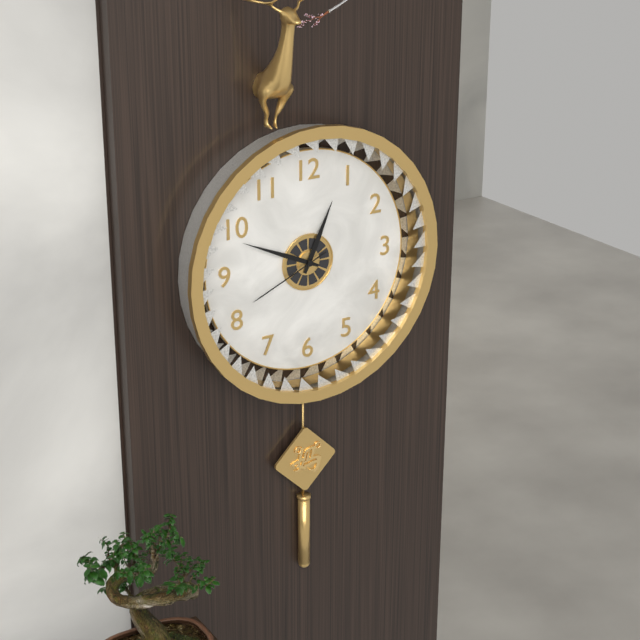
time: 12:49:41
